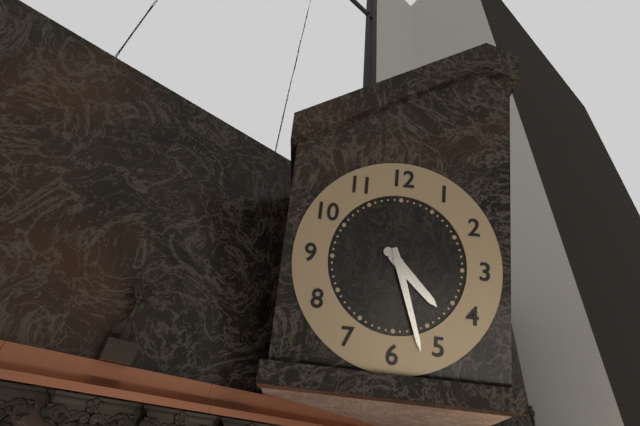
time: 4:27
